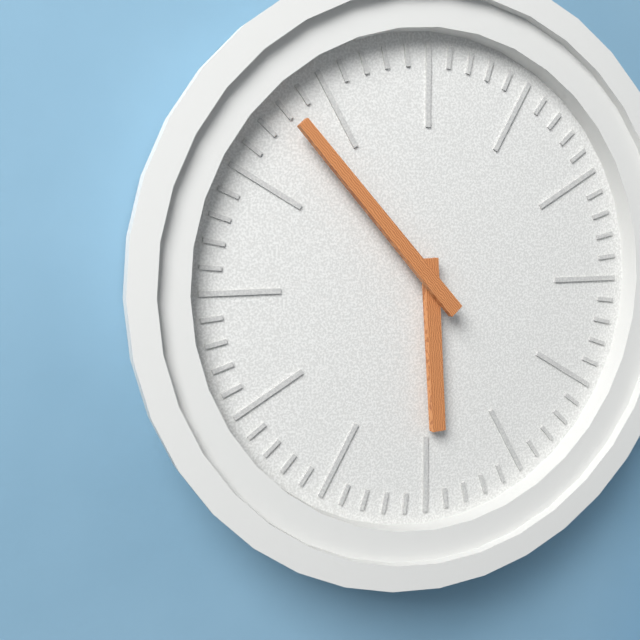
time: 5:53
